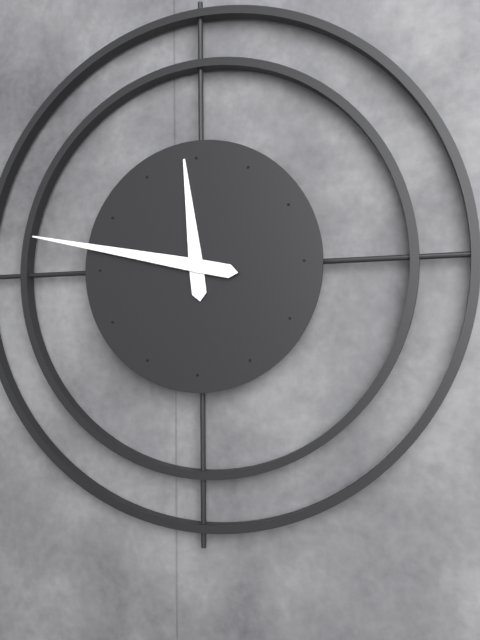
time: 11:47
